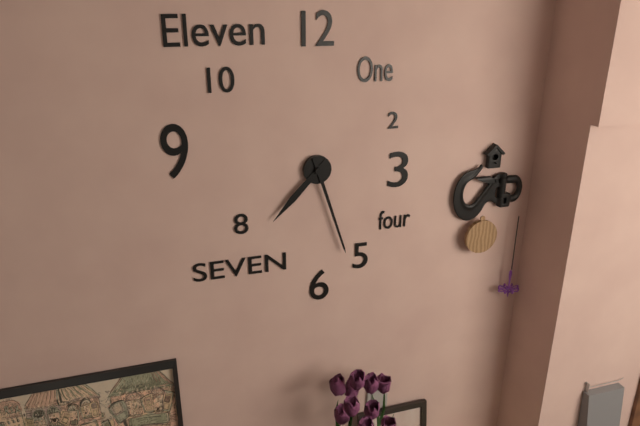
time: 7:27
